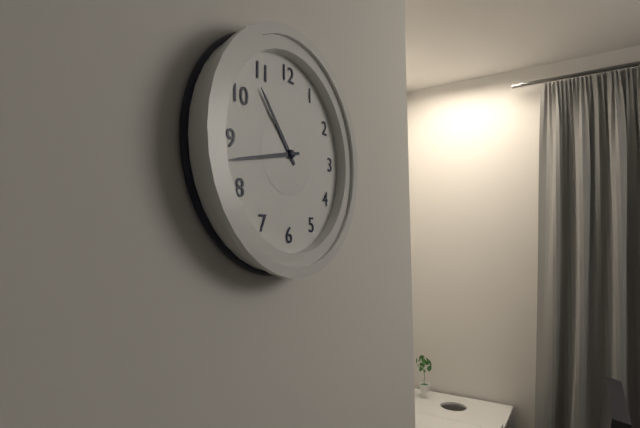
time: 10:43
